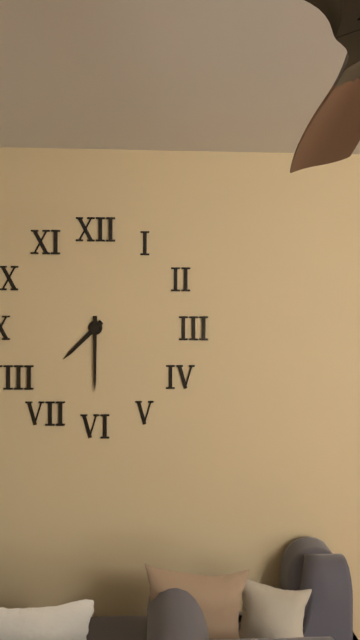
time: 7:30
